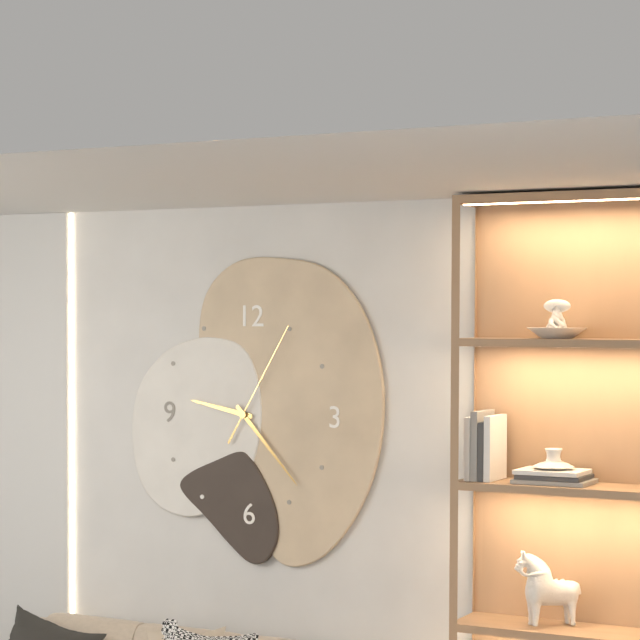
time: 9:23:05
